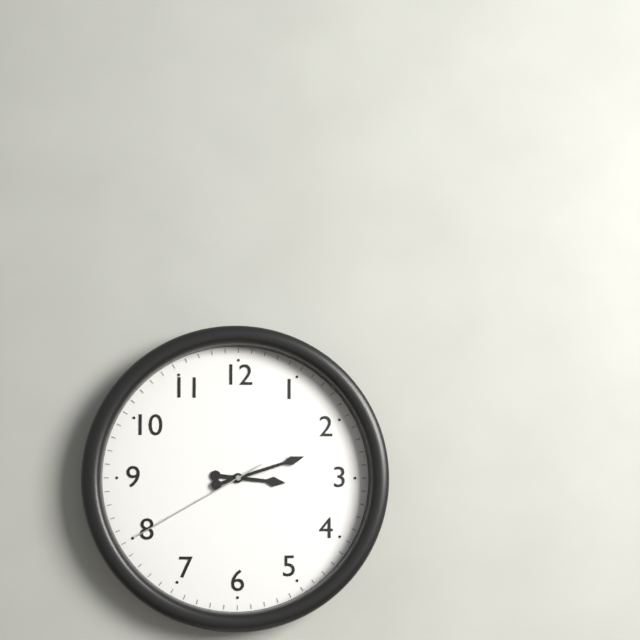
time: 3:12:40
